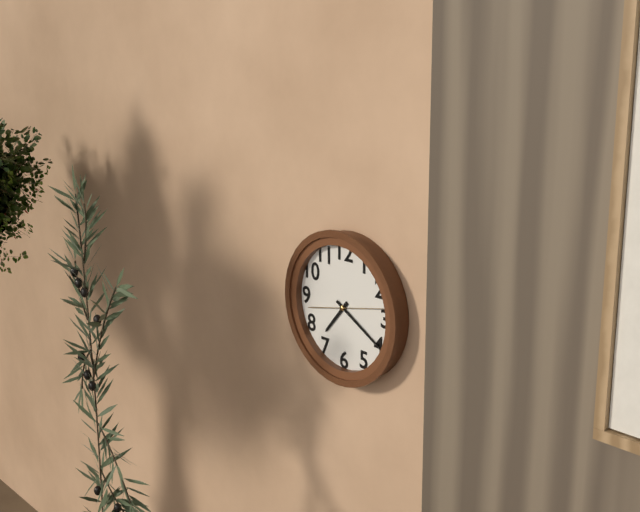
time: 7:20:13
